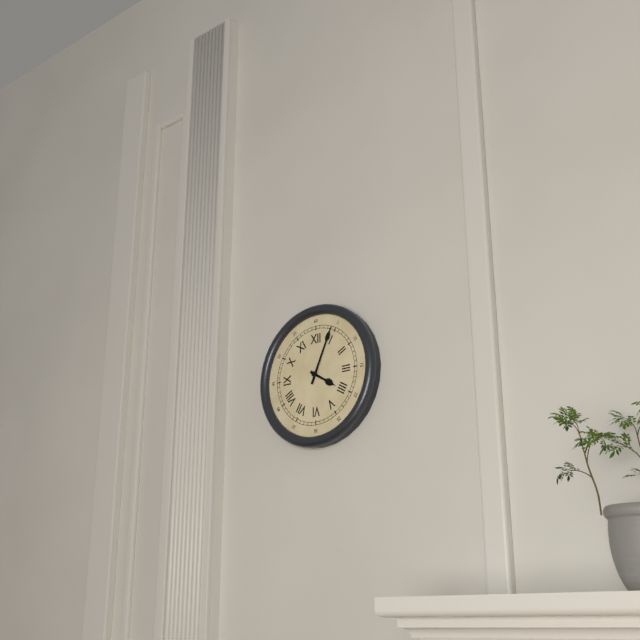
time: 4:04
